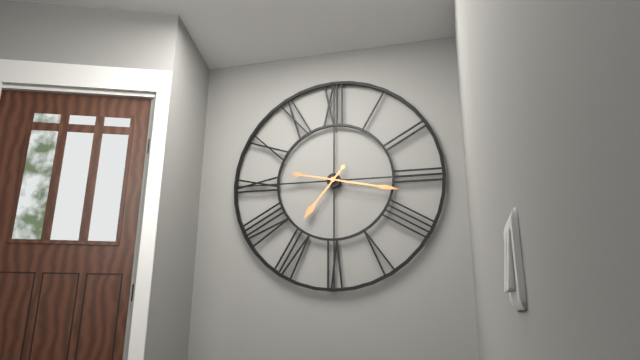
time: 7:17
